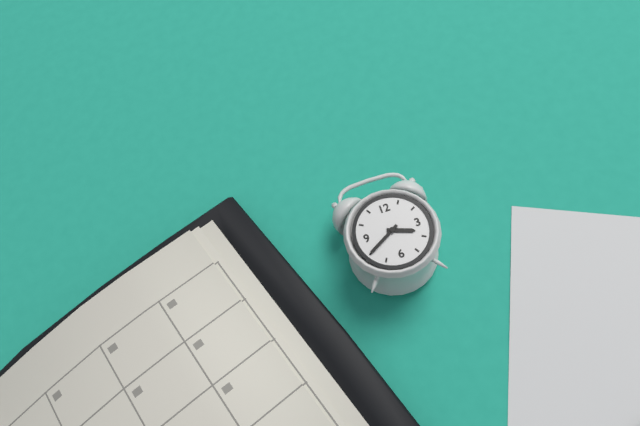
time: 3:40
